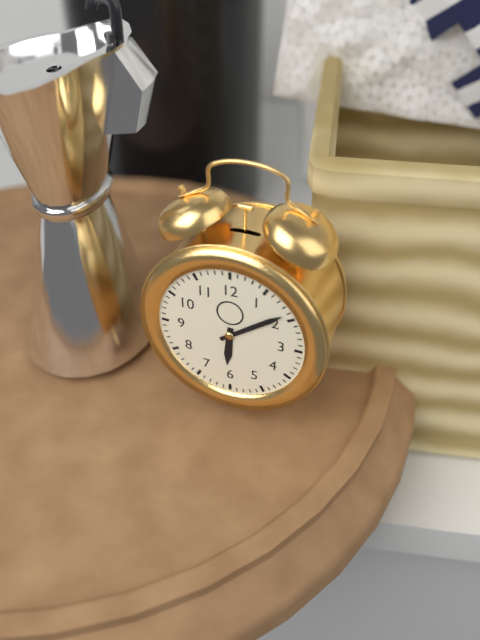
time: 6:09
